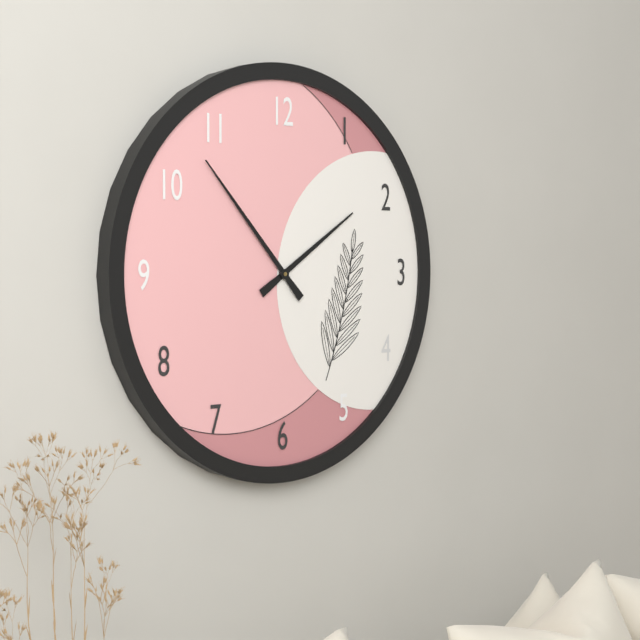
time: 1:53
